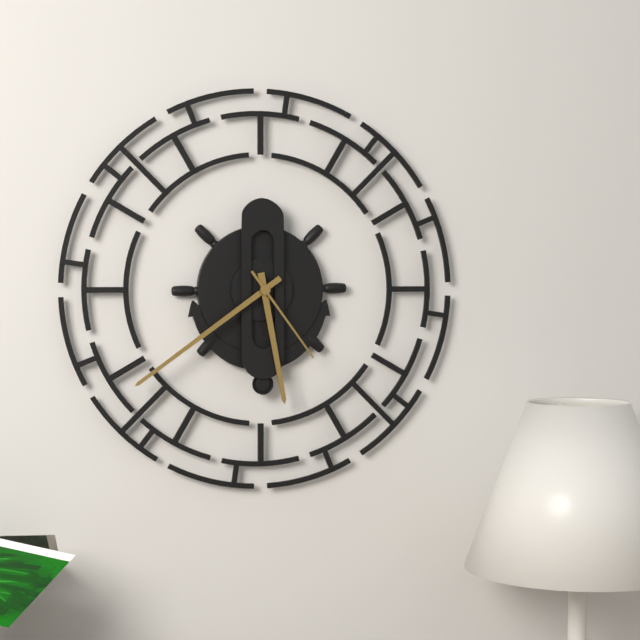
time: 5:39:24
